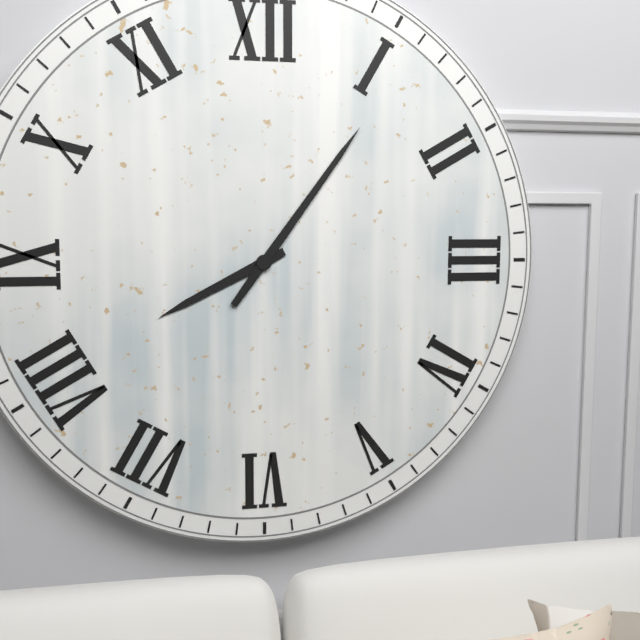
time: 8:06
